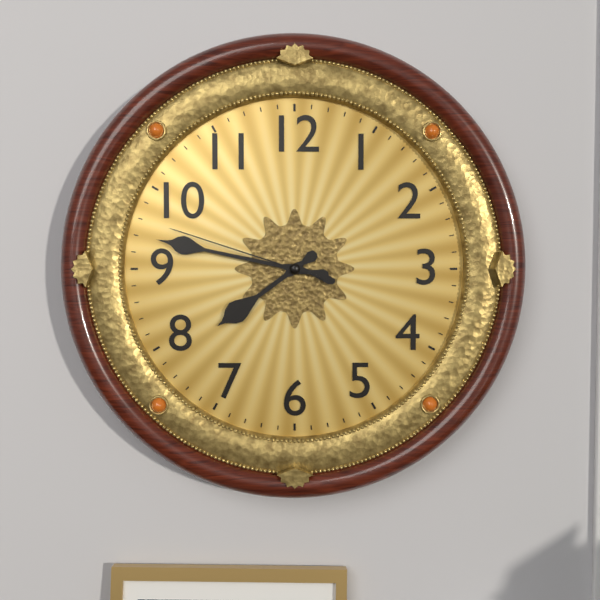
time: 7:47:48
